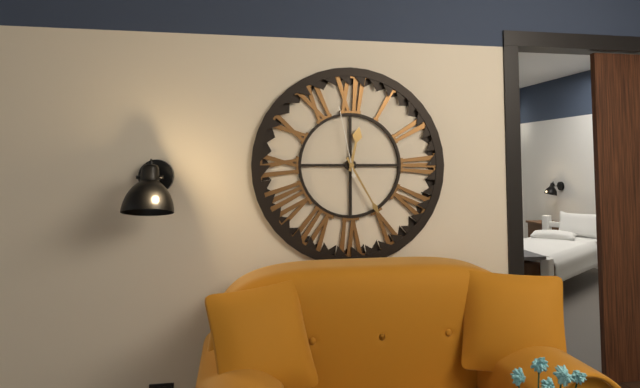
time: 12:25:58
